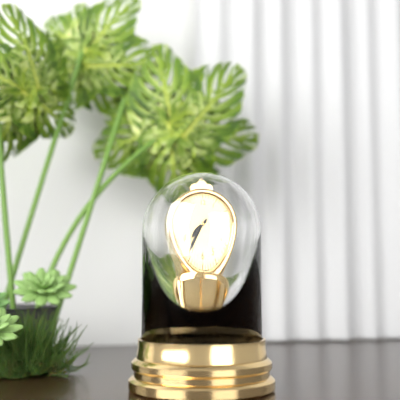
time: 7:36
